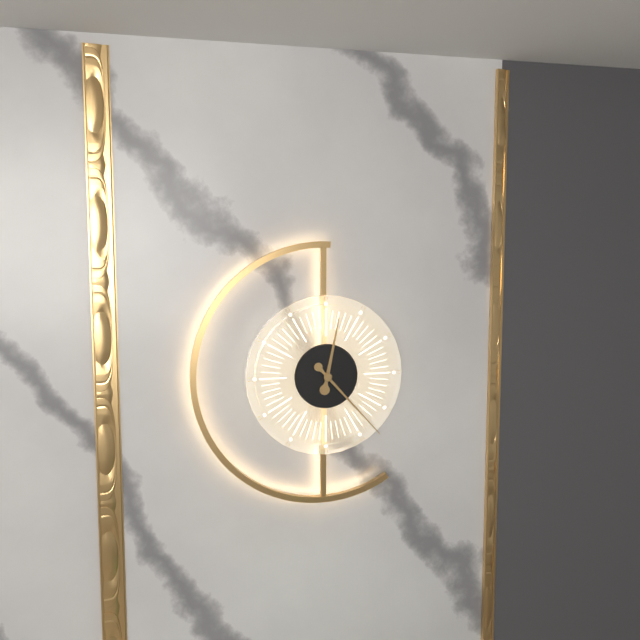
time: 12:23
